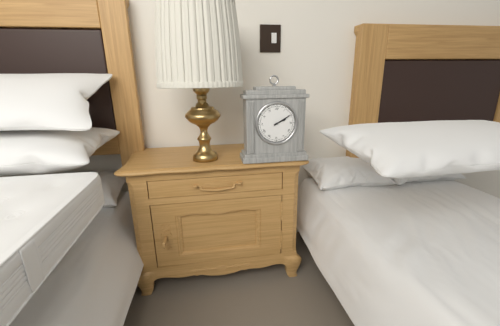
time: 2:10
